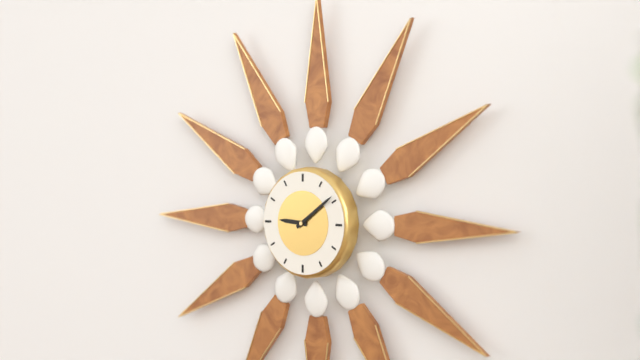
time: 9:09
